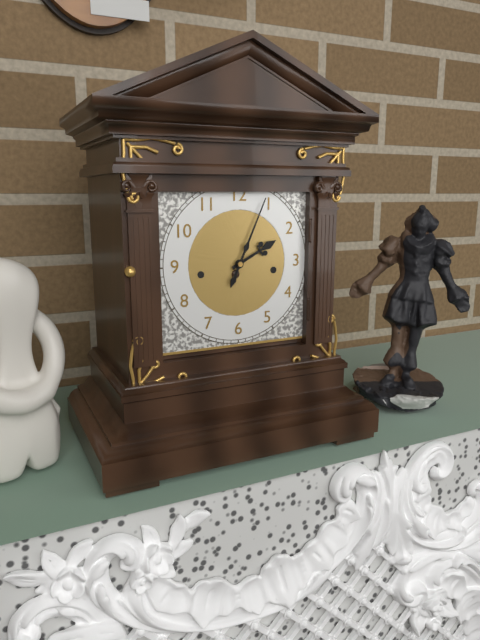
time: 2:04
